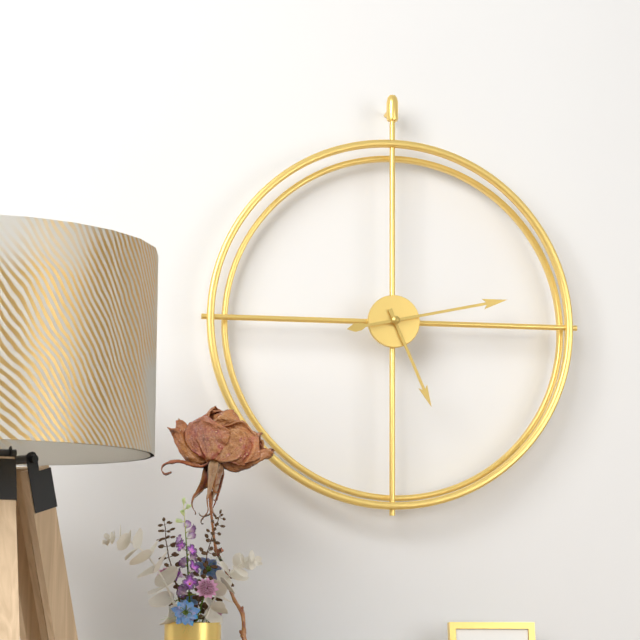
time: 5:13
